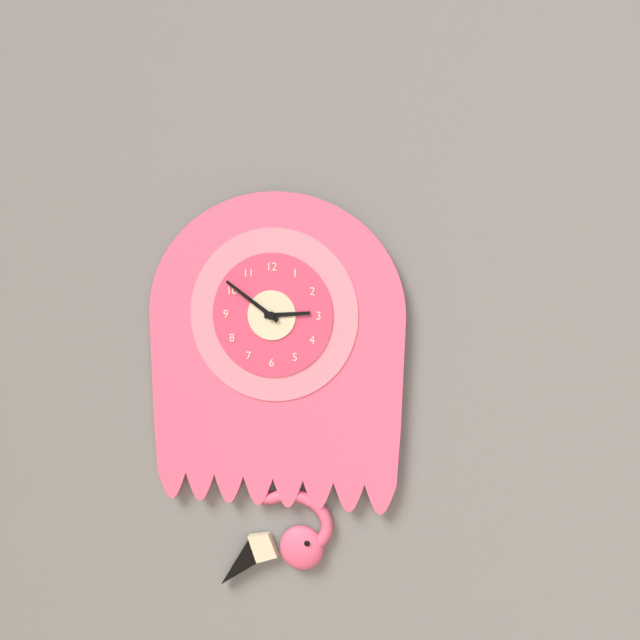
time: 2:51
